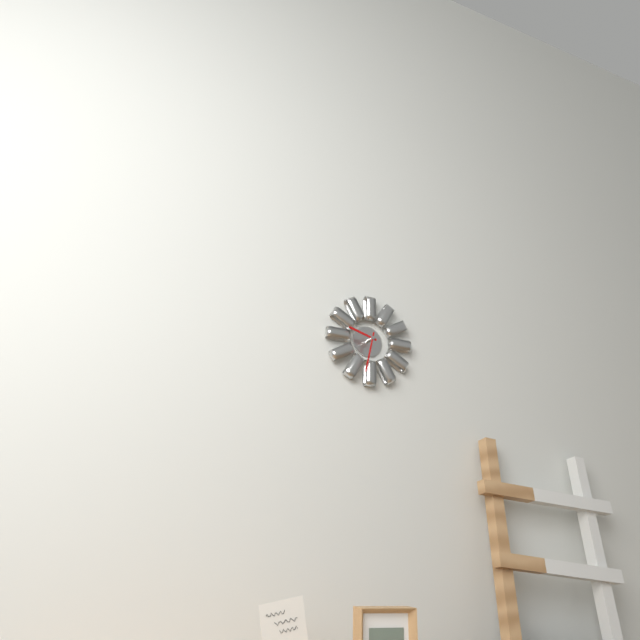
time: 9:32
